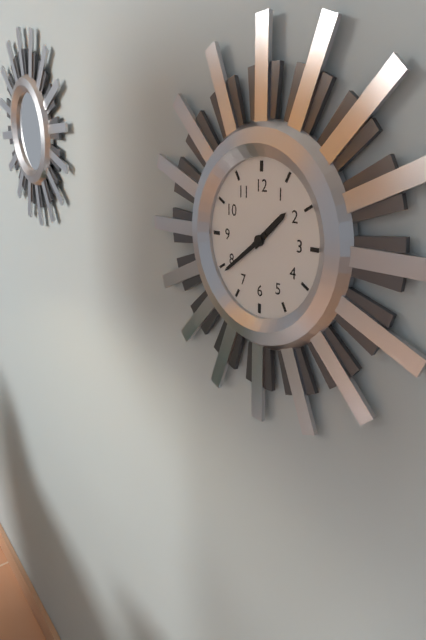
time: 1:39
